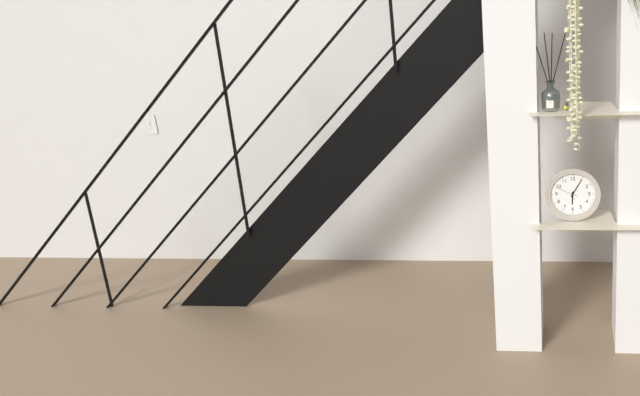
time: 6:05
